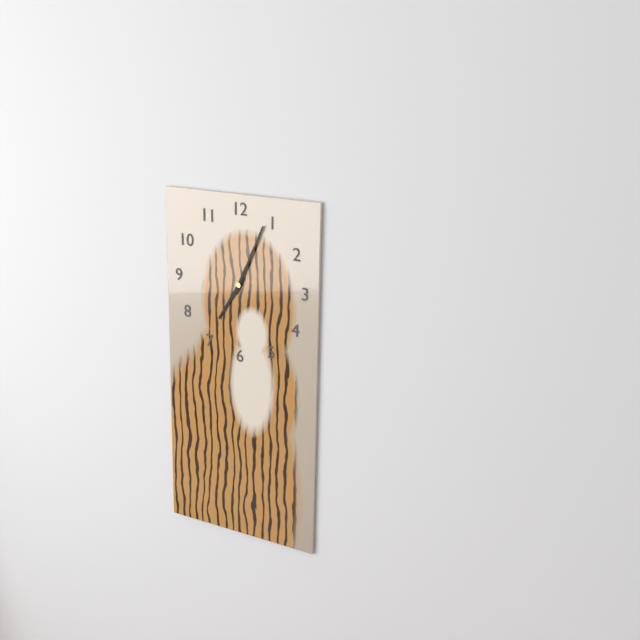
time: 7:04
